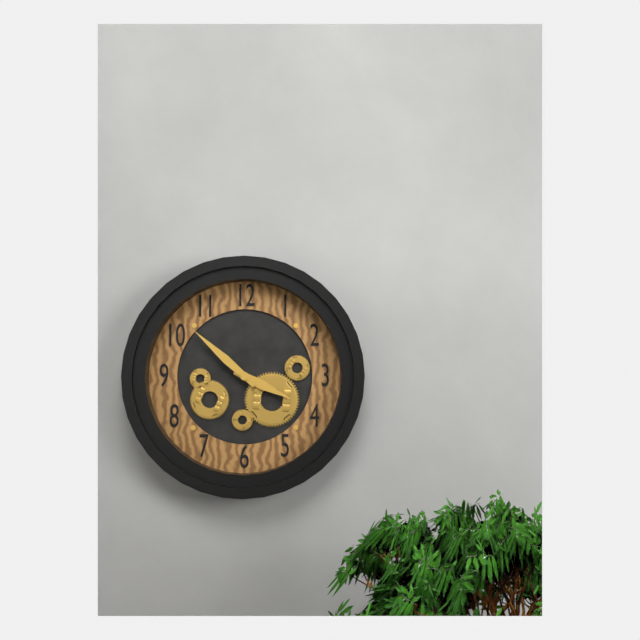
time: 3:52
